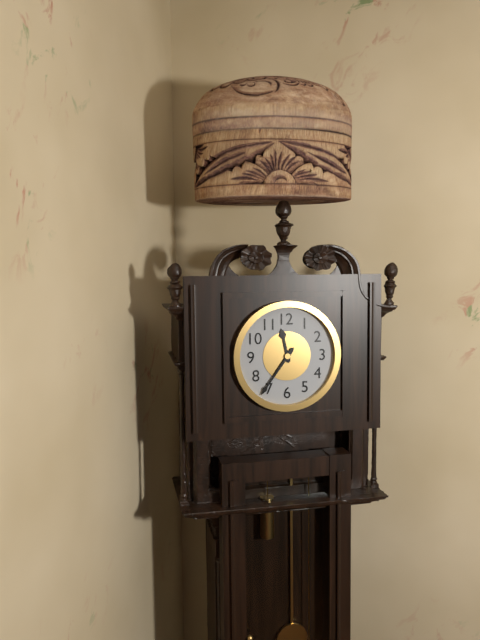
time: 11:36
